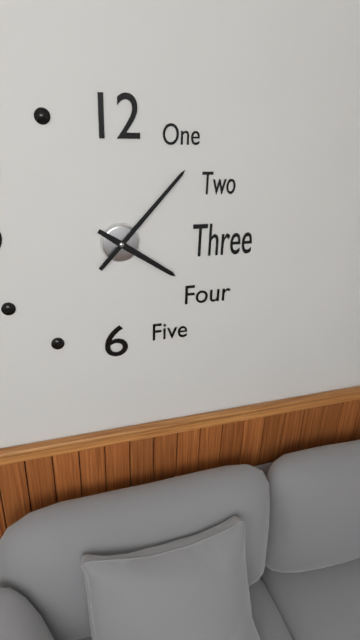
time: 4:07
